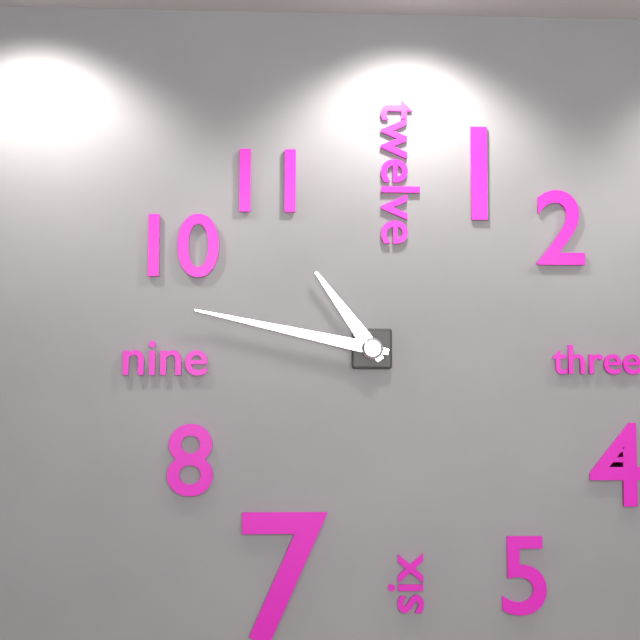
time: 10:47
